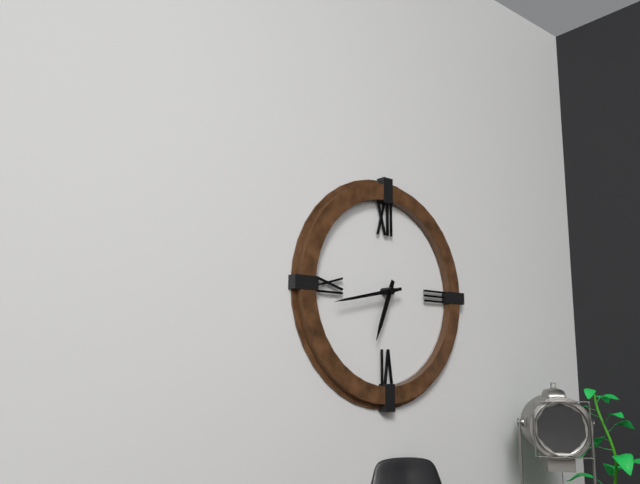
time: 6:43
